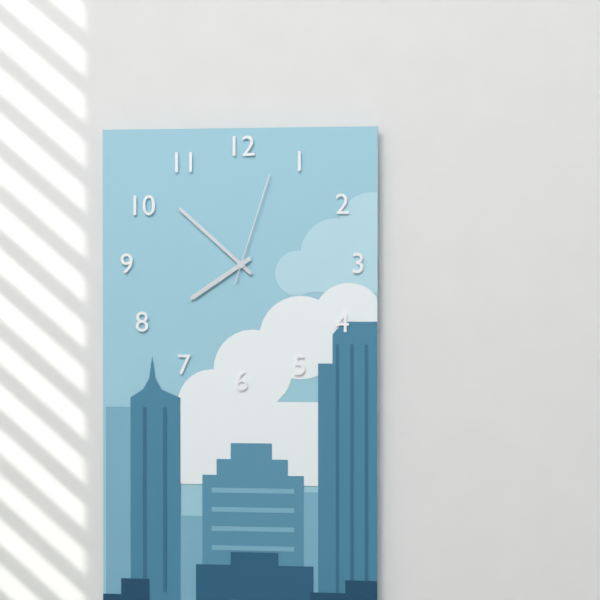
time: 7:52:03
